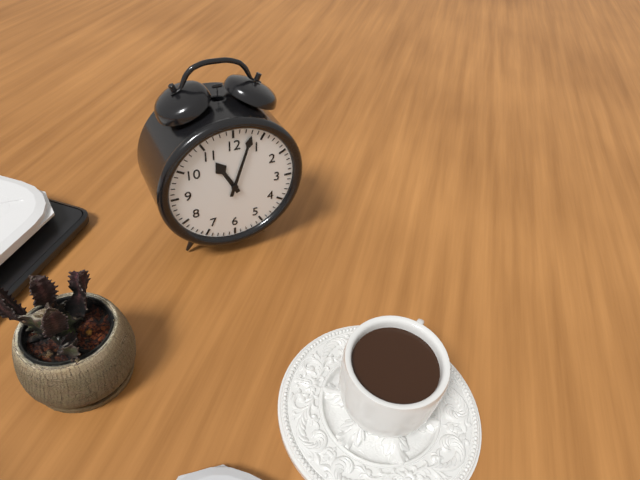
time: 11:03
